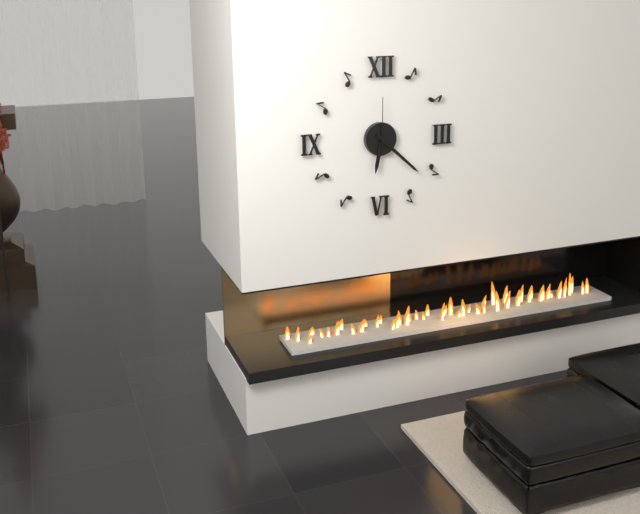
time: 6:22:00
